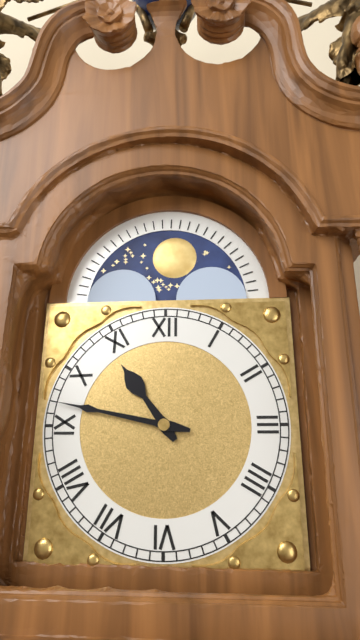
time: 10:47
